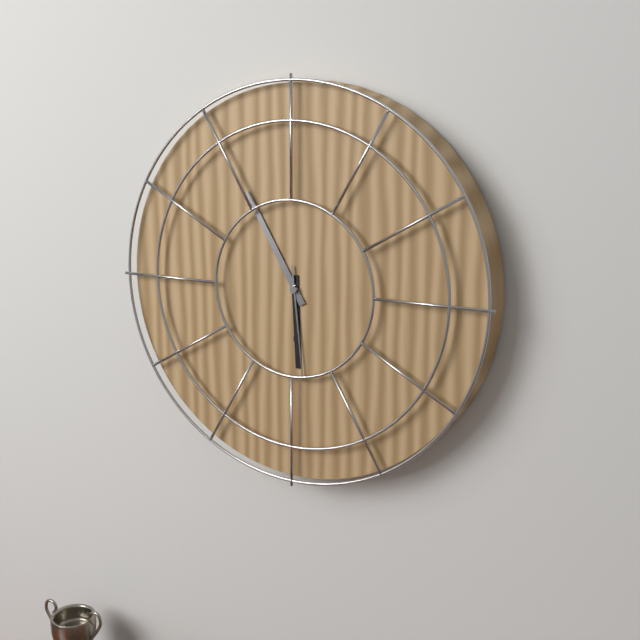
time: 5:55:29
